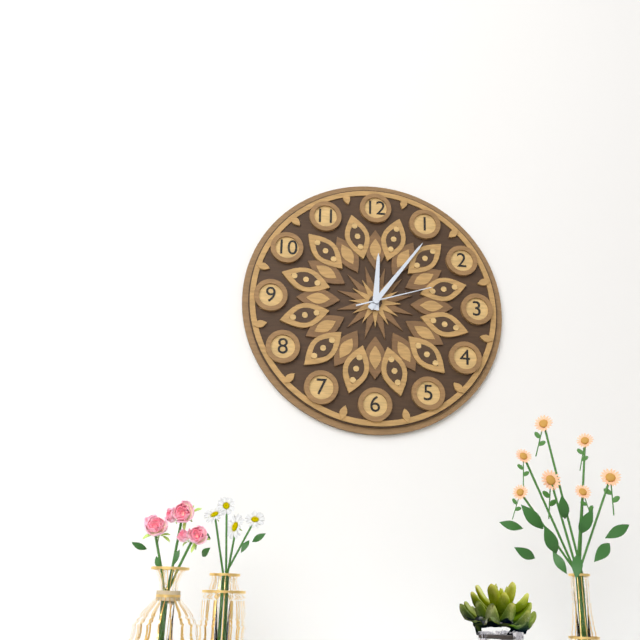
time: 12:06:12
